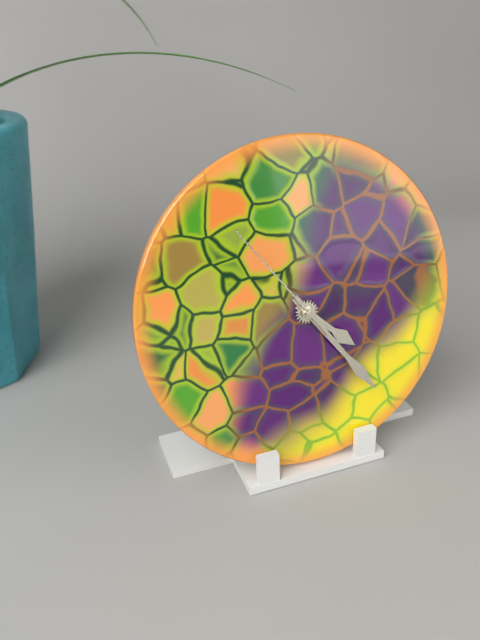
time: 4:24:54
